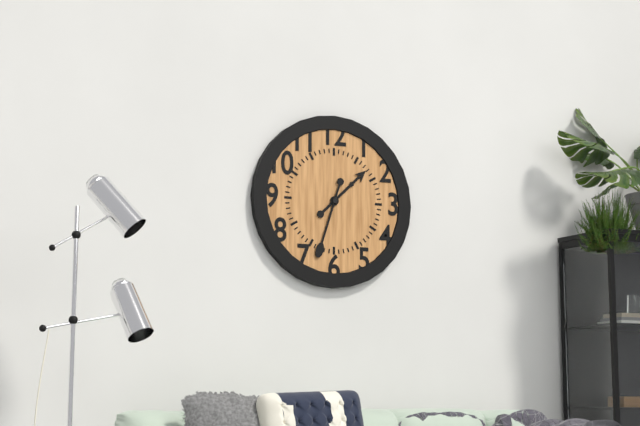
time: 1:33
